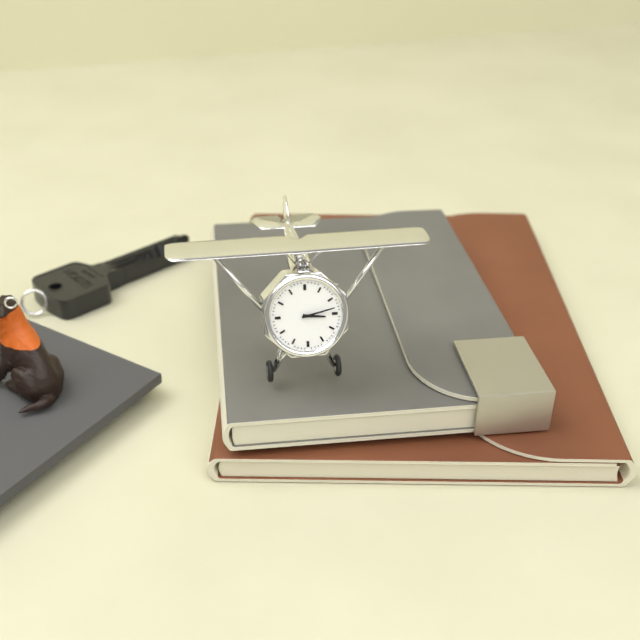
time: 3:13
